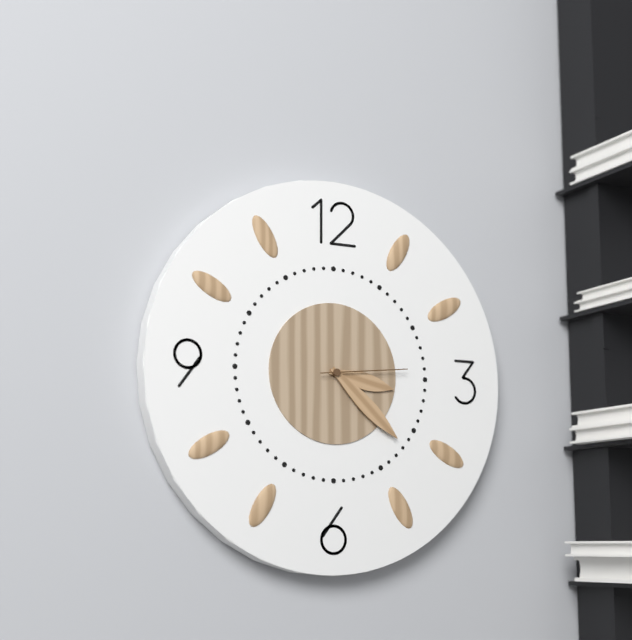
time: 3:22:14
